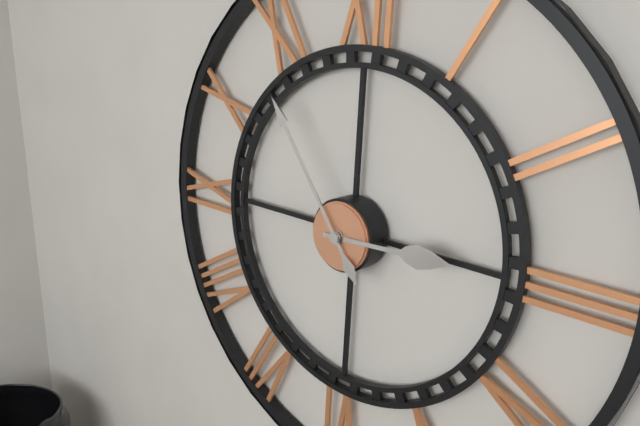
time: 2:54
